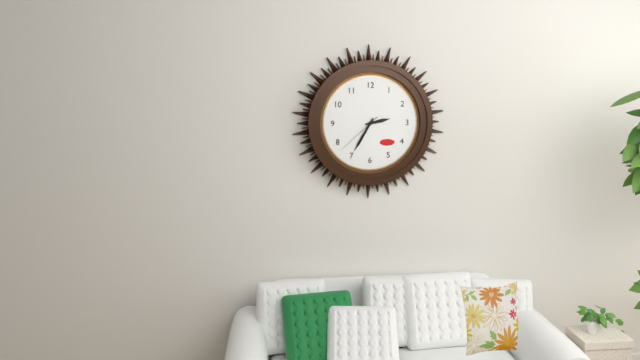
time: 2:35
